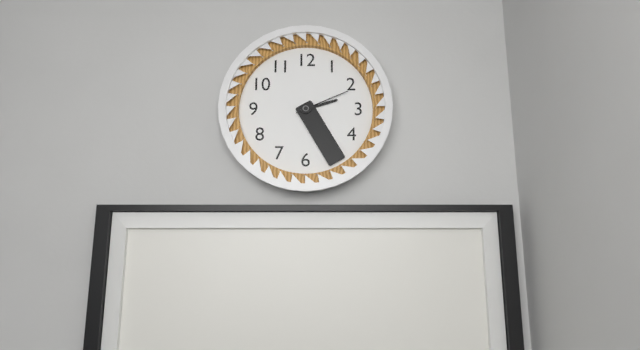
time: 2:25:11
